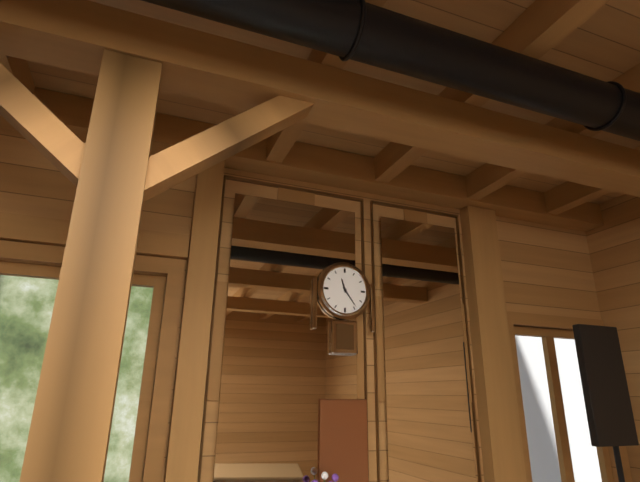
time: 11:24
